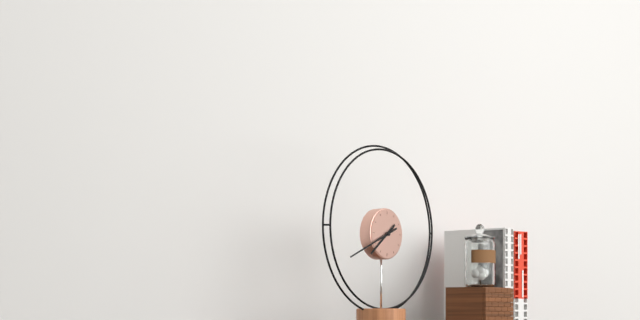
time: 7:41
